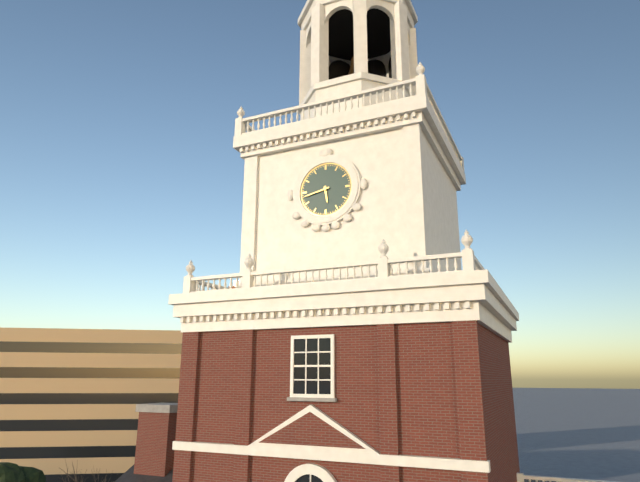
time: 5:43
